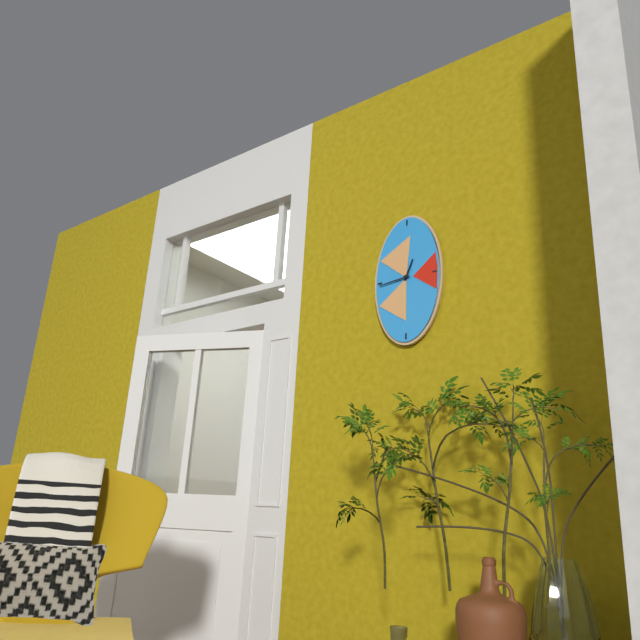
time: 12:44
